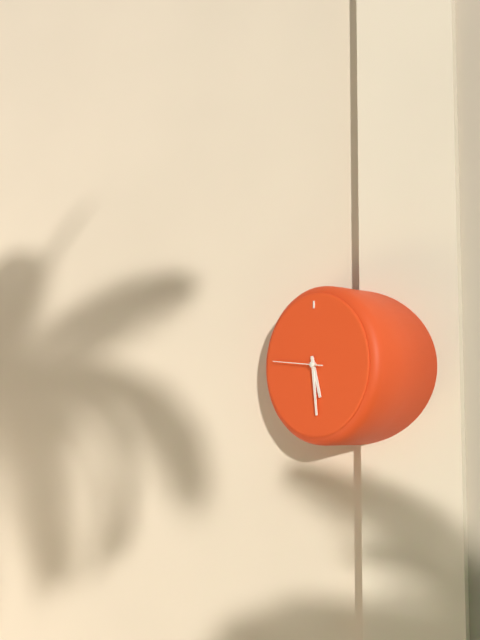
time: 5:29
